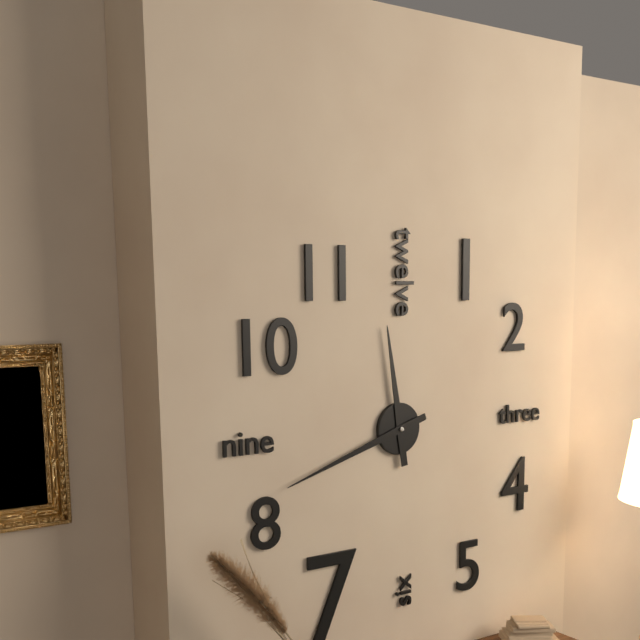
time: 11:42
